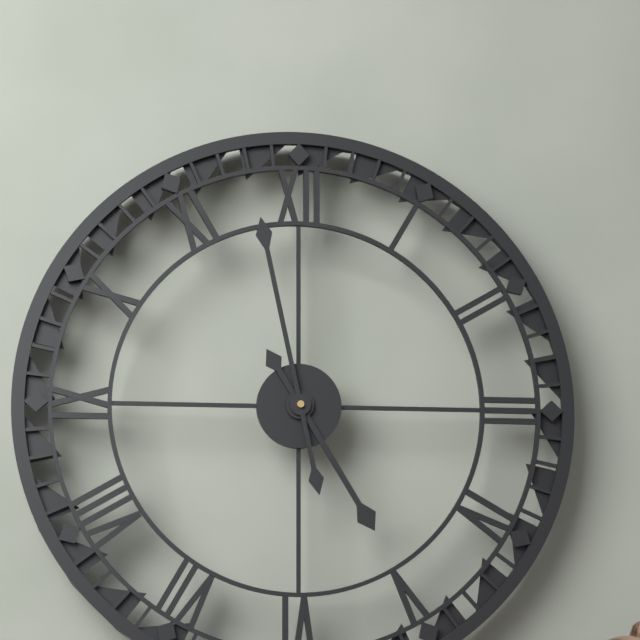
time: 4:58
